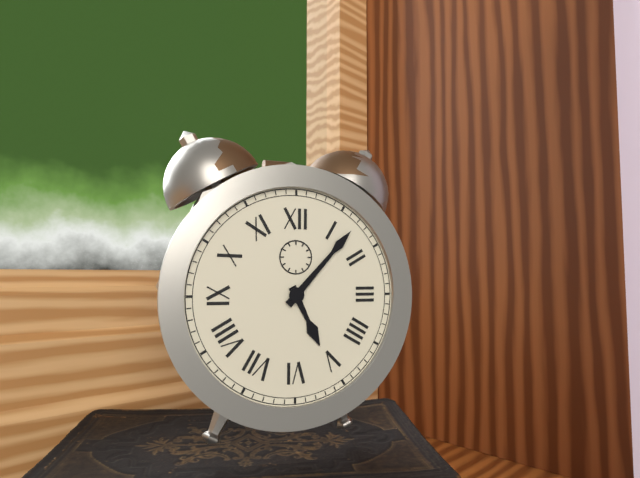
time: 5:07
